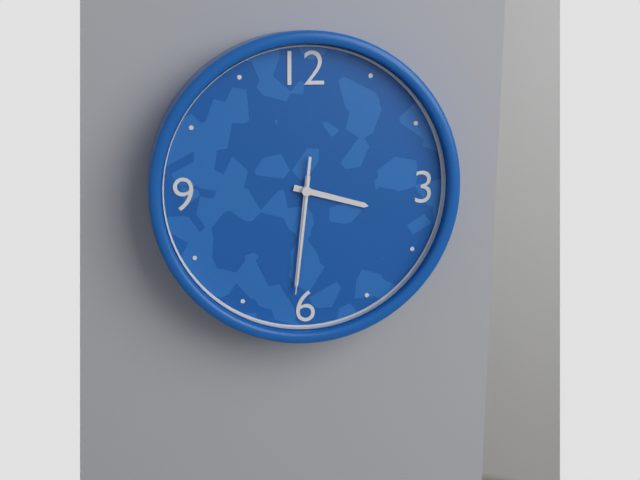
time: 3:31:31
